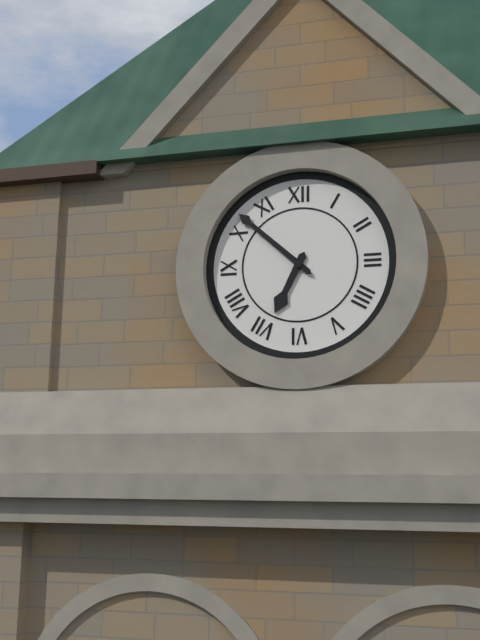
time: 6:52
